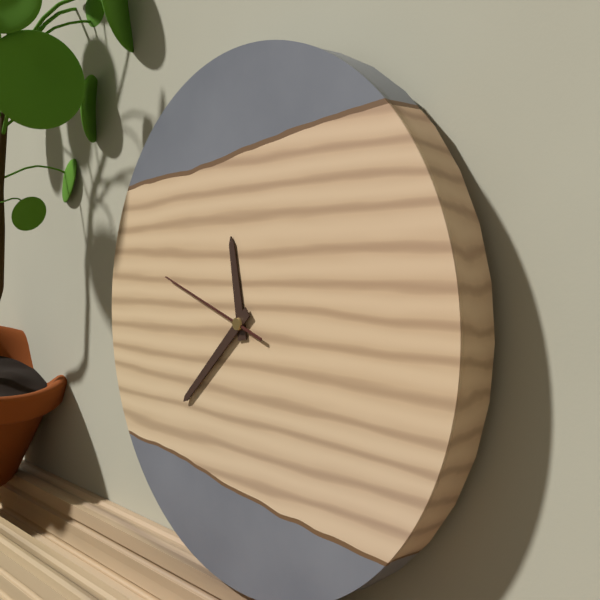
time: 11:38:48
